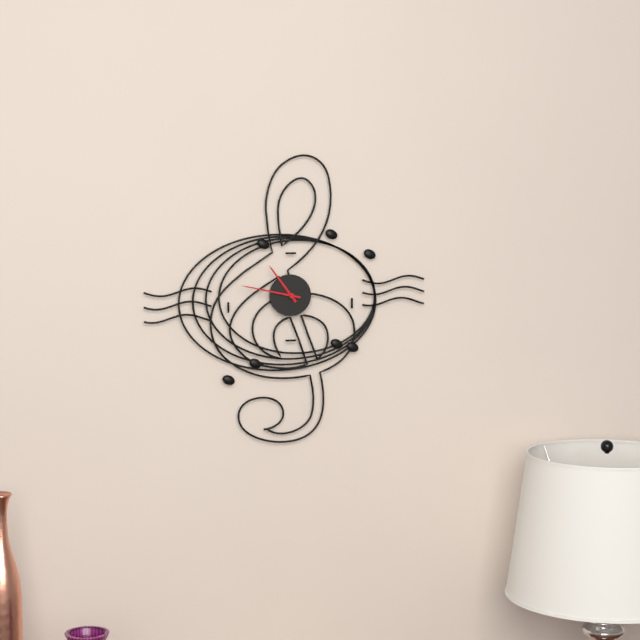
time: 10:47
